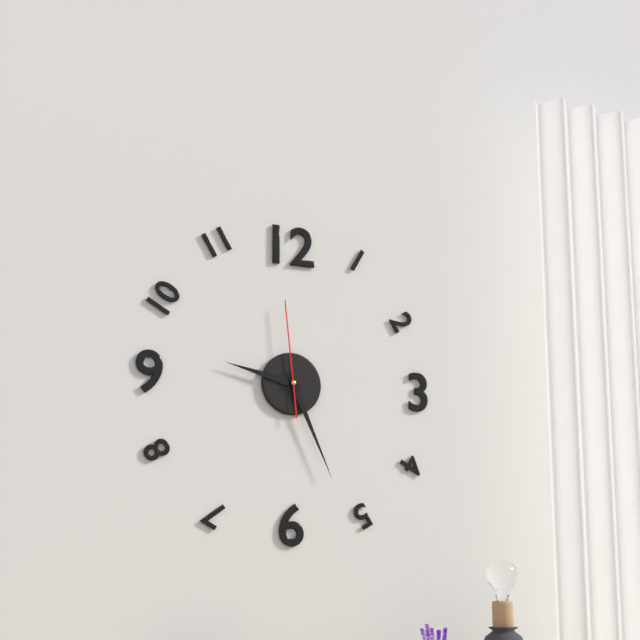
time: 9:26:59
